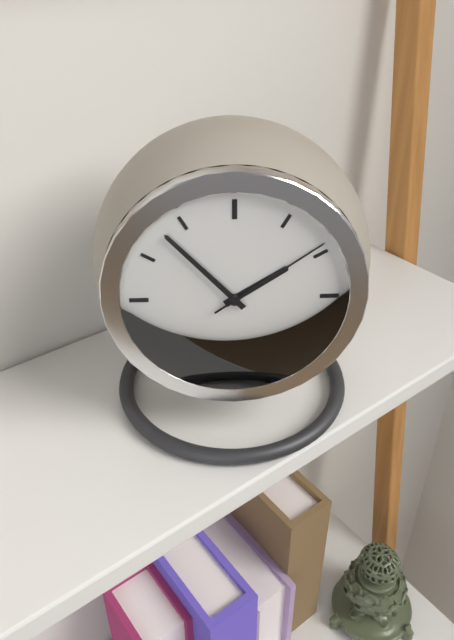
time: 1:53:09
